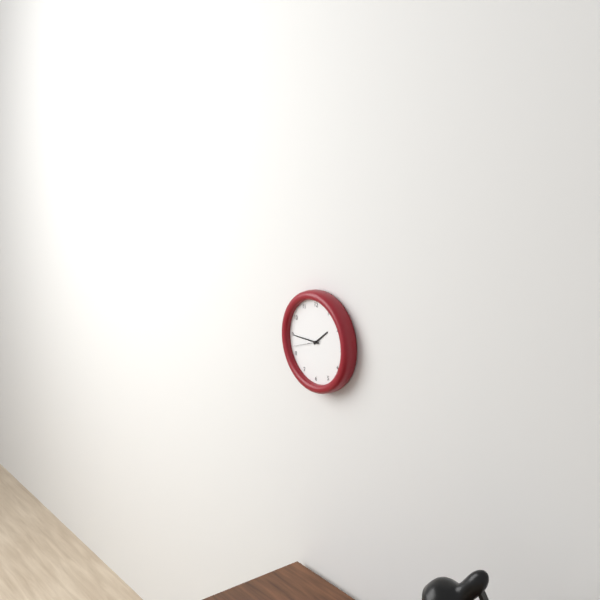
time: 1:45
